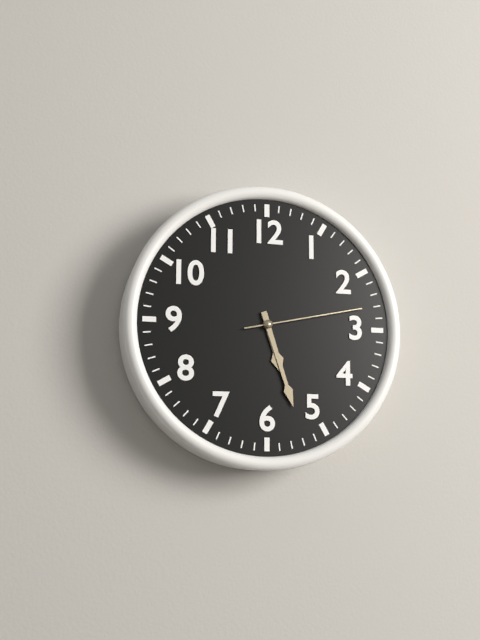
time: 5:27:13
